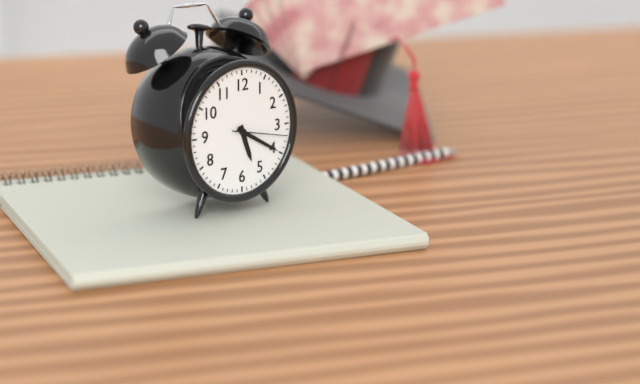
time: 5:20:17
